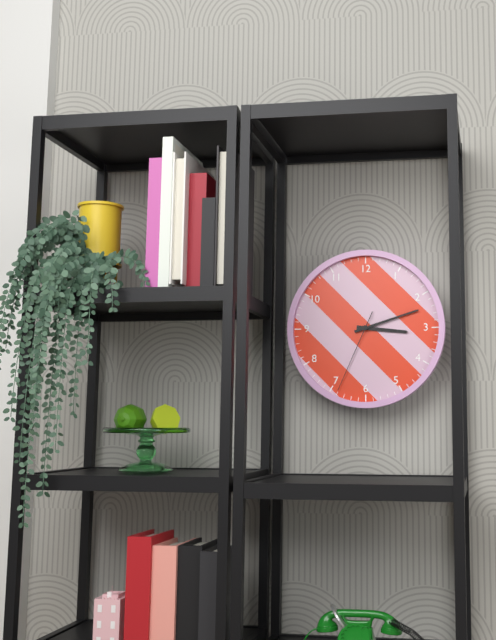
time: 3:12:34
